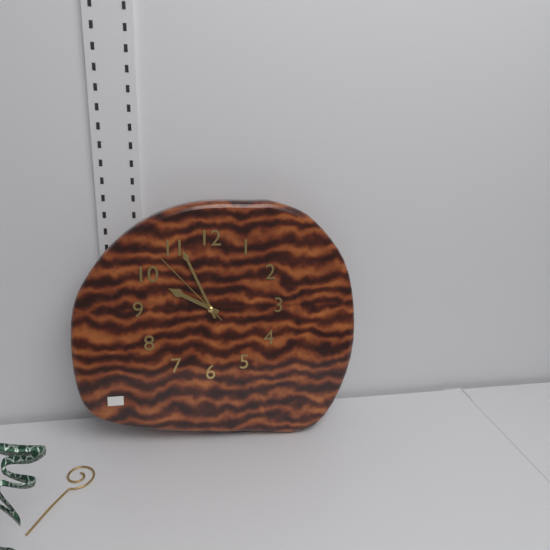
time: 9:56:53
